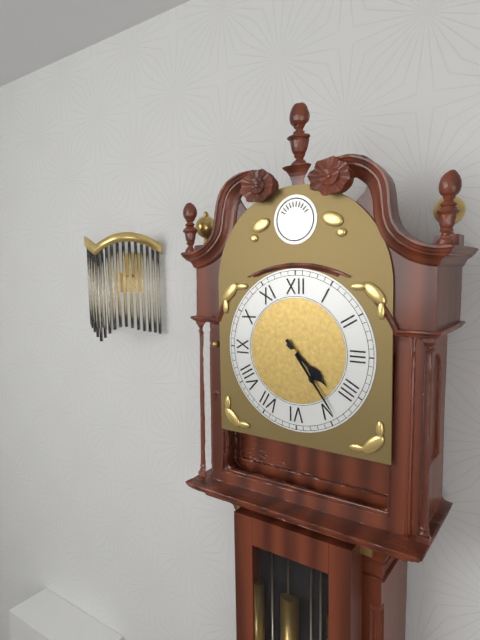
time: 4:24
